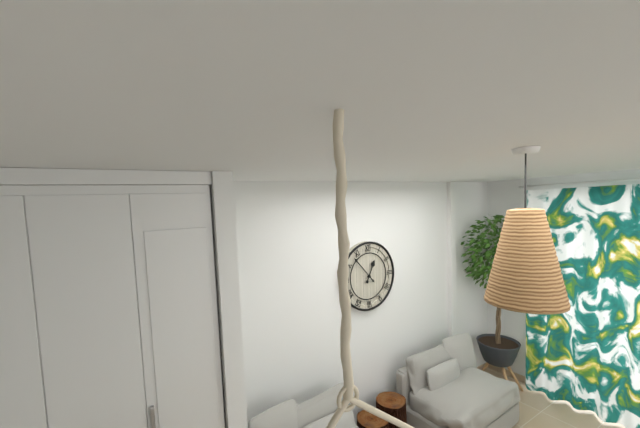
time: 12:53
